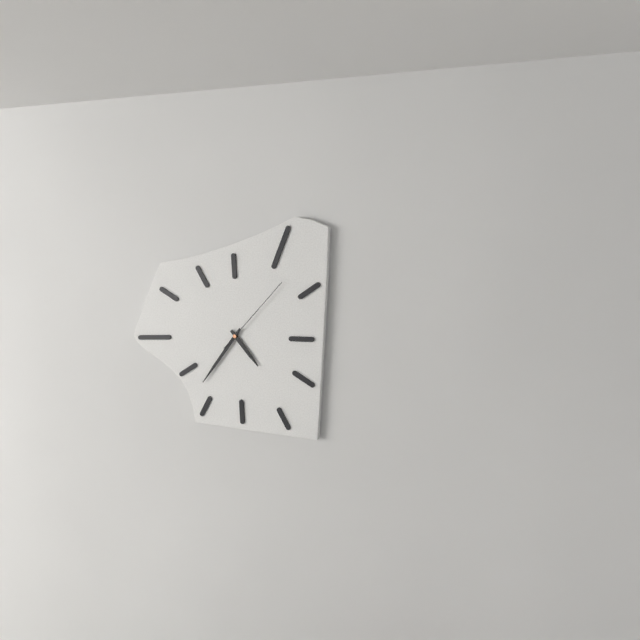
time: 4:36:07
